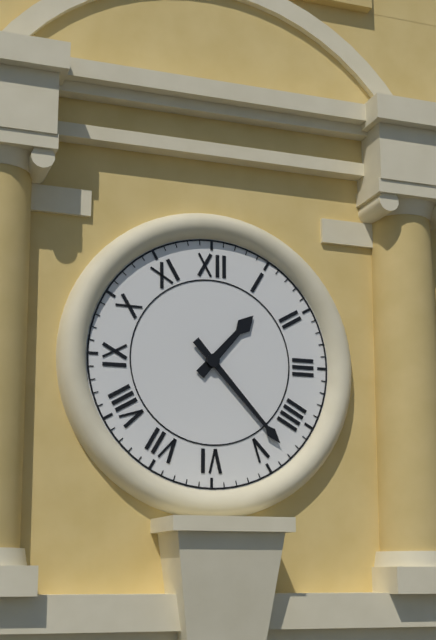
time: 1:23
